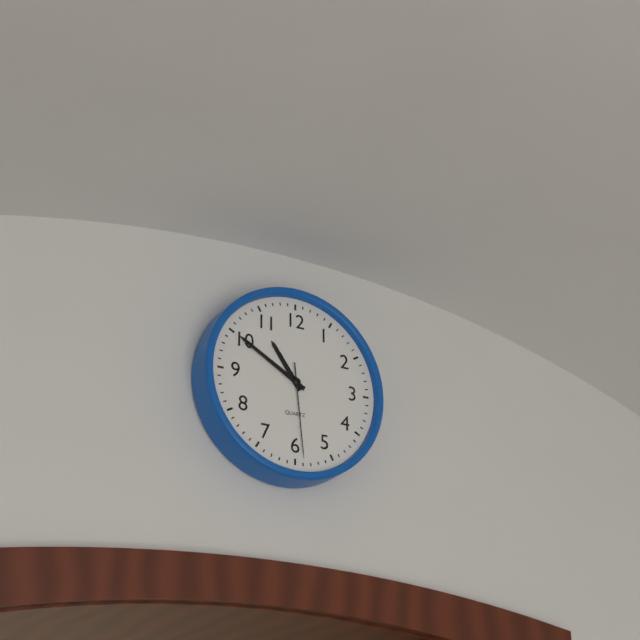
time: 10:50:29
